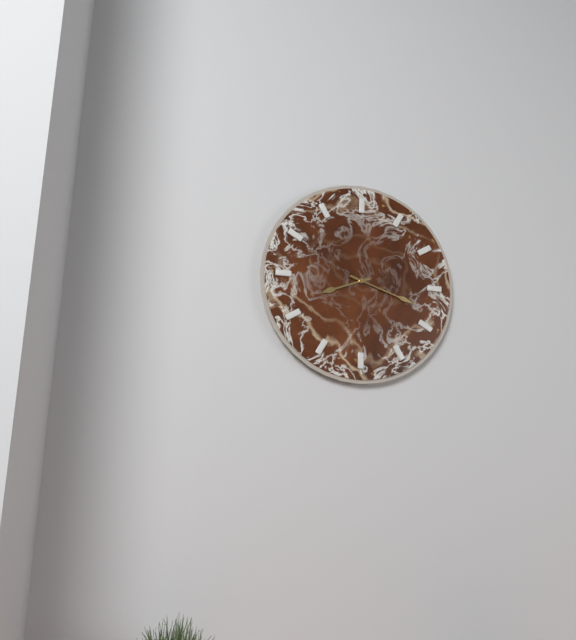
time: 8:18
